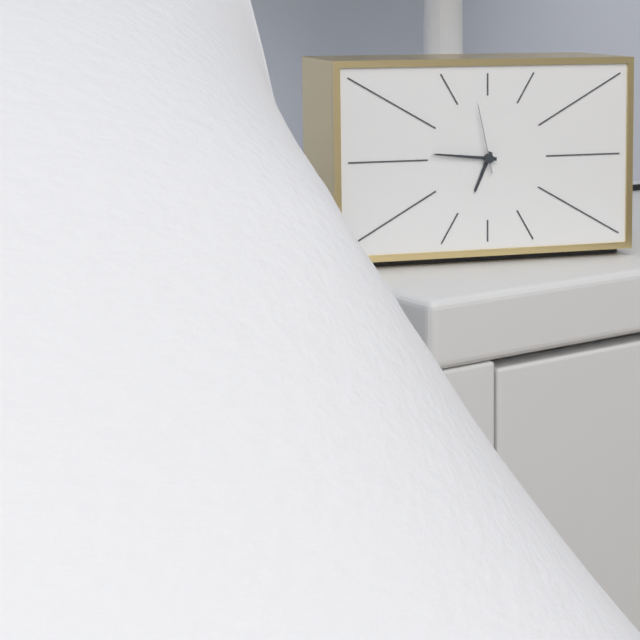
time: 6:46:58
